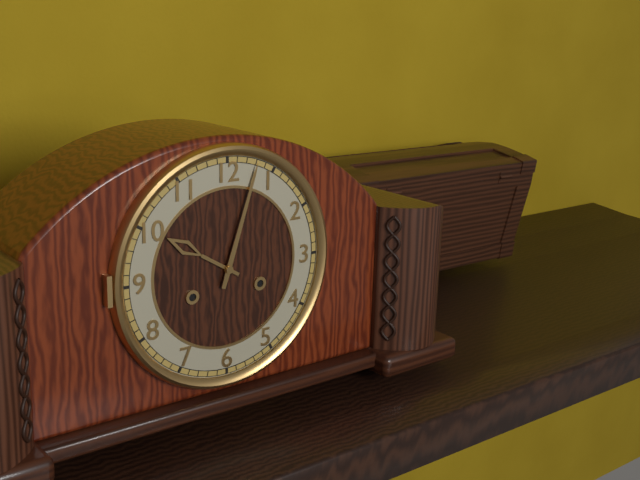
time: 10:03
